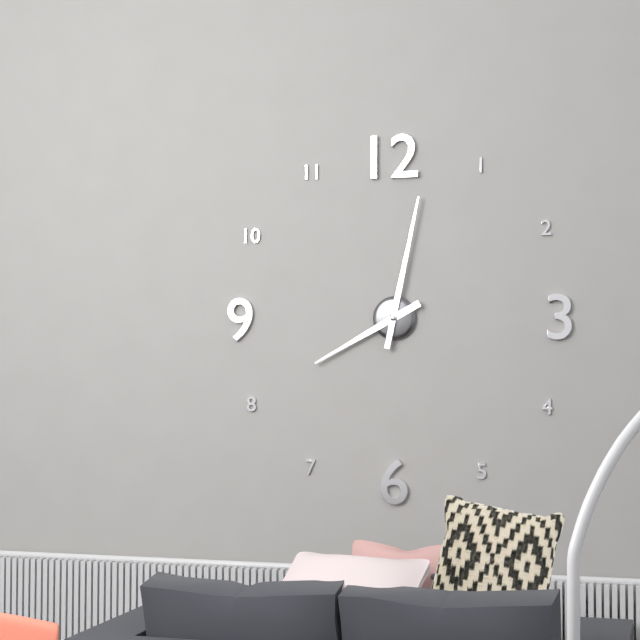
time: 8:02
